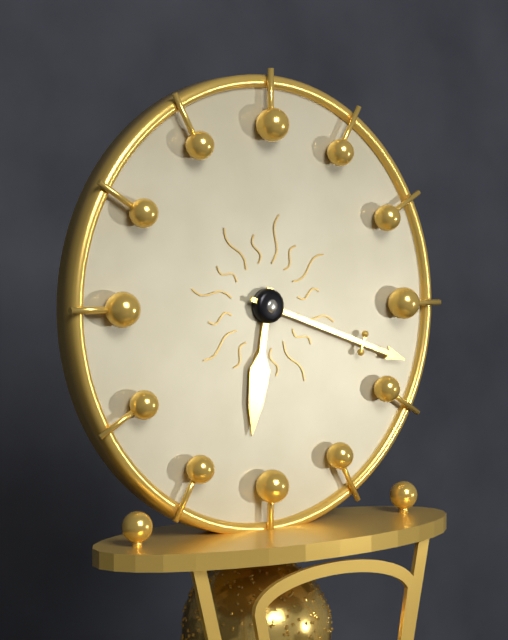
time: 6:18
